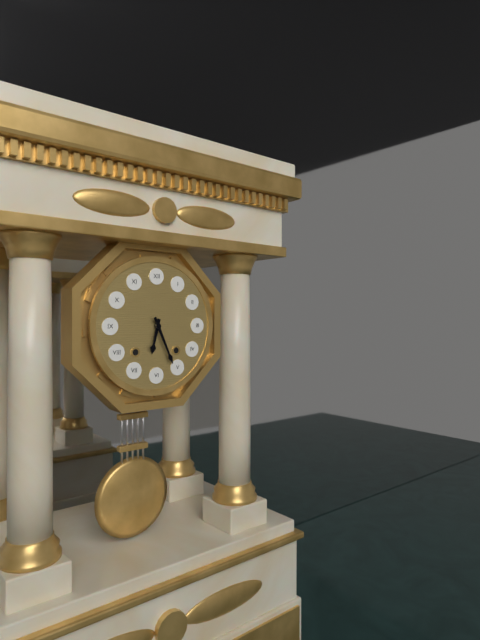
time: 6:26
